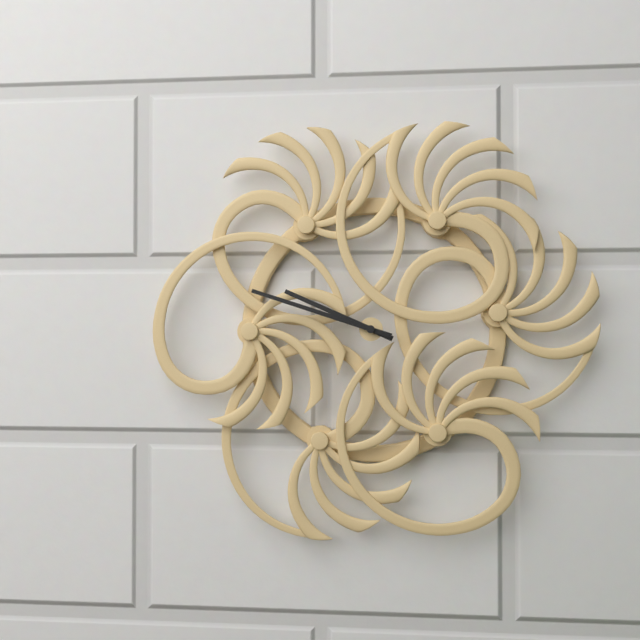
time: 9:48
